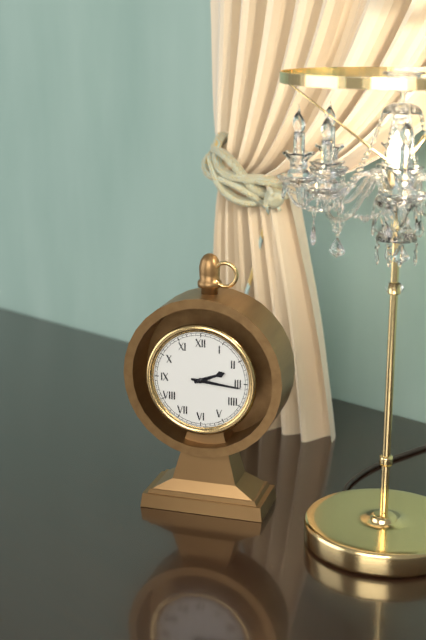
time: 2:16
